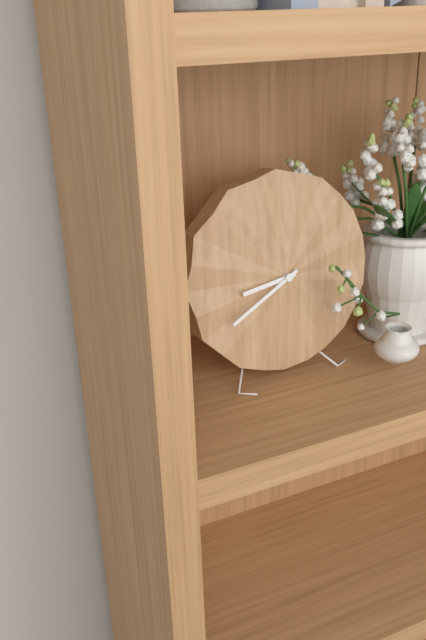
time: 8:40
